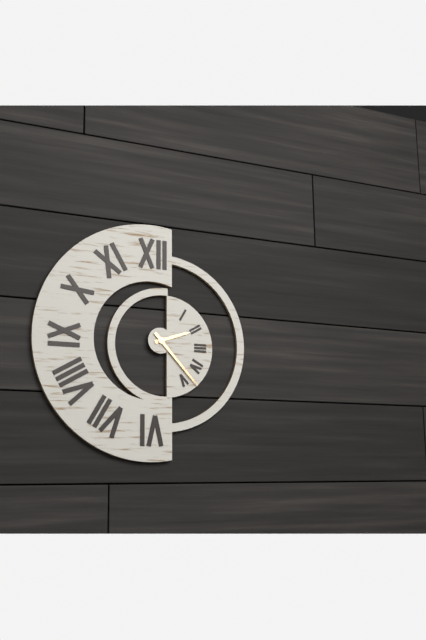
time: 2:23
